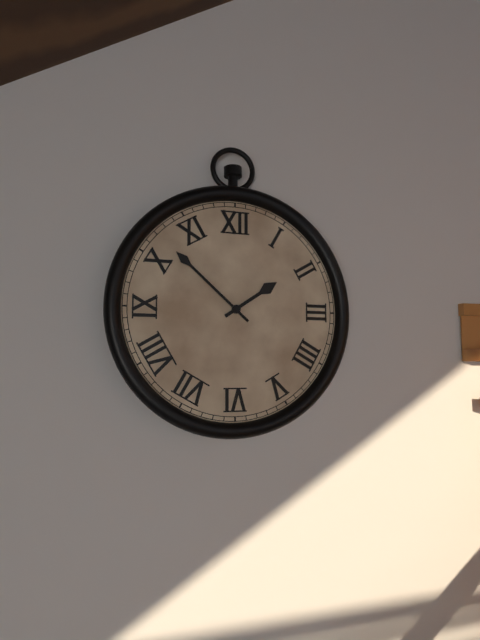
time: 1:52
